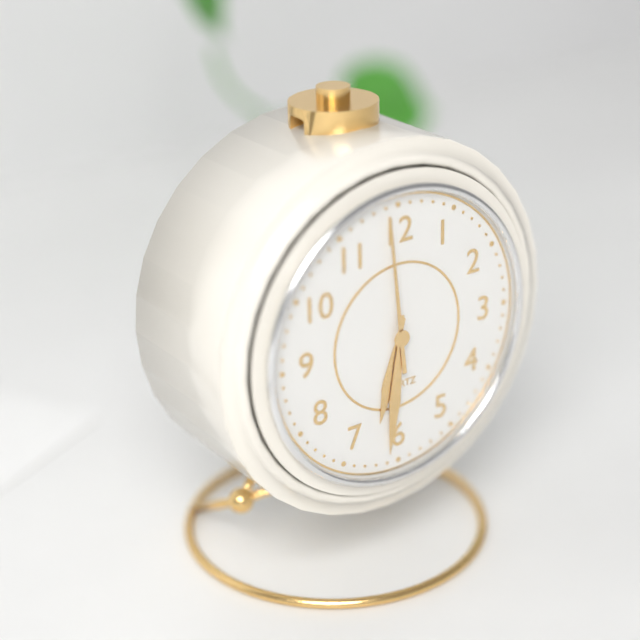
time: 6:31:59
